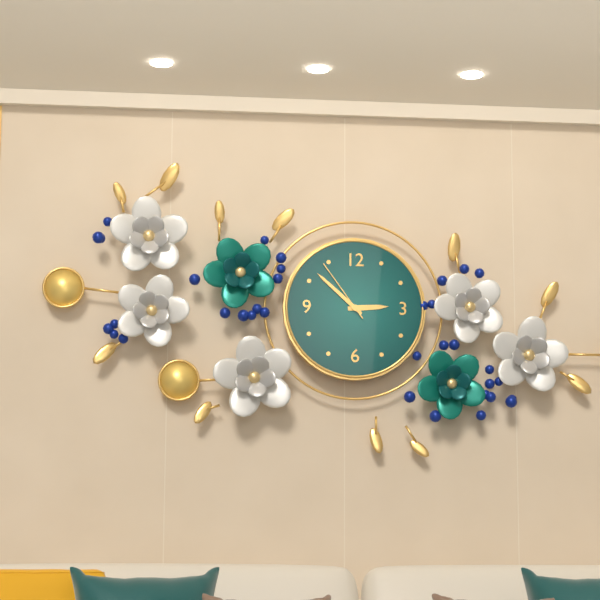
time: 2:52:54
